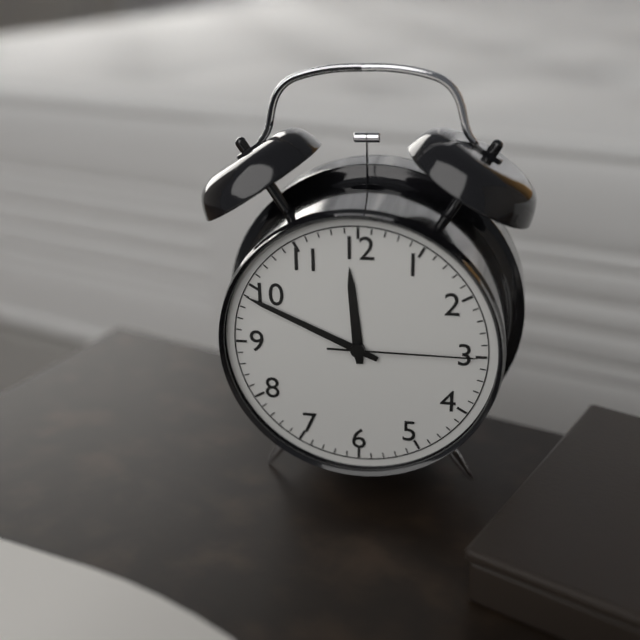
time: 11:49:15
